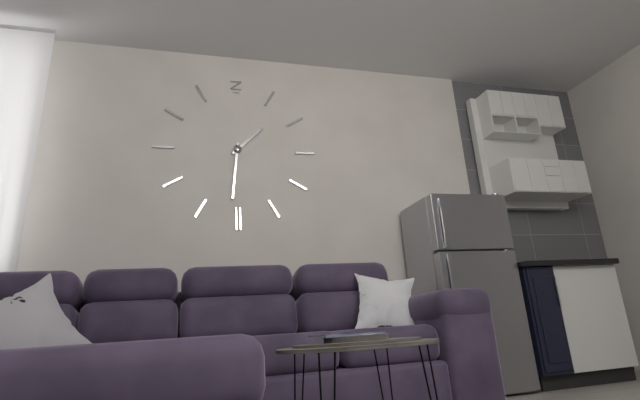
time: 1:31
